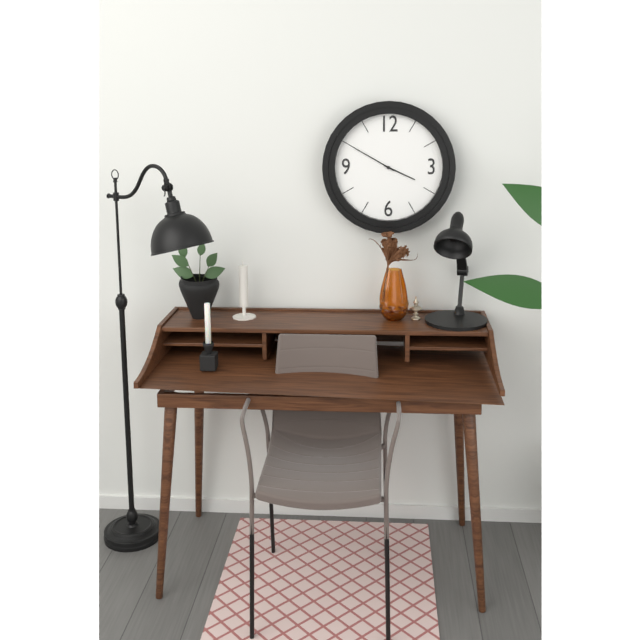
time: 3:50
